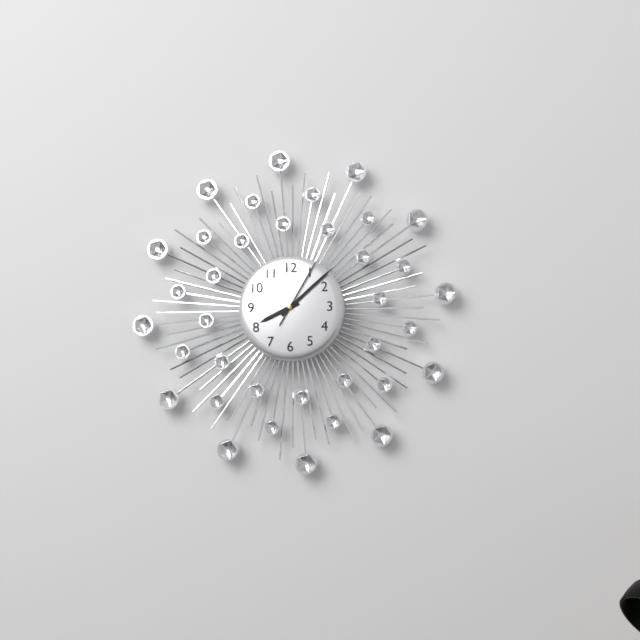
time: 8:08:05
